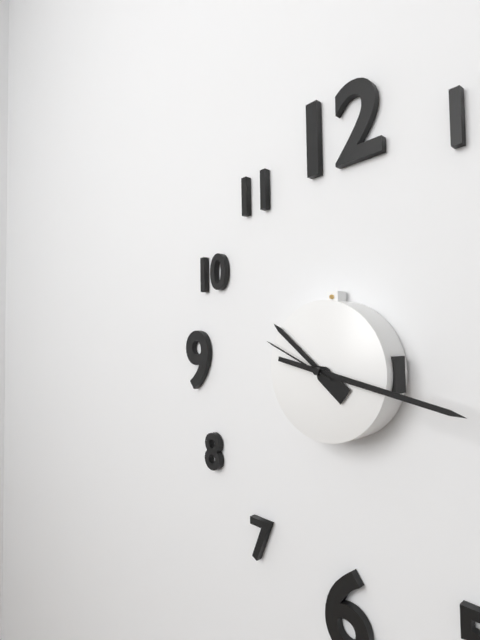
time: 10:17:49
